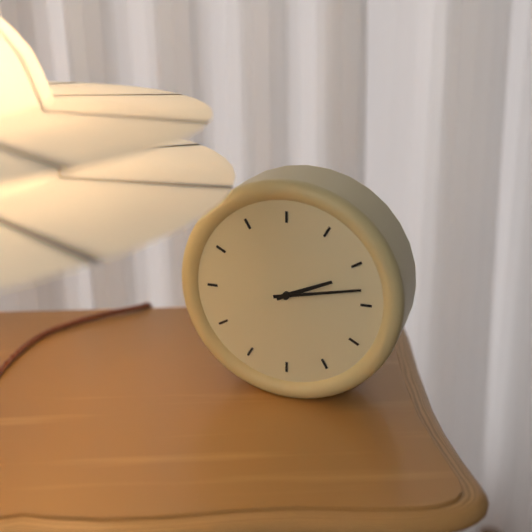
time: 2:13
